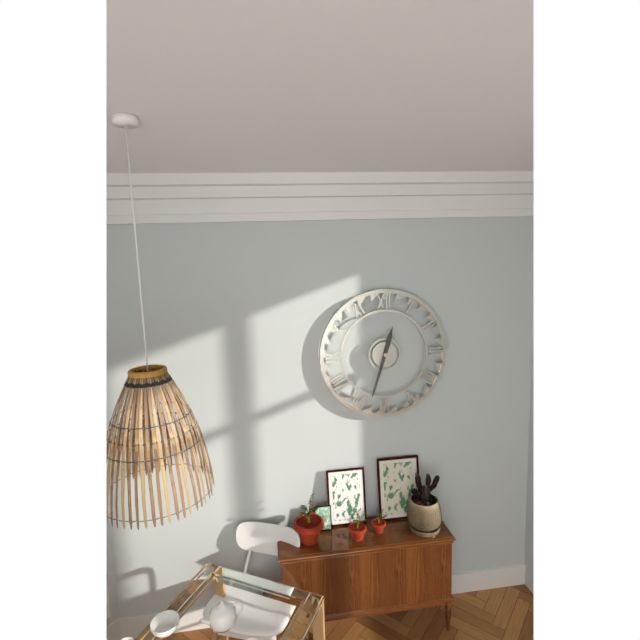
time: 12:33
